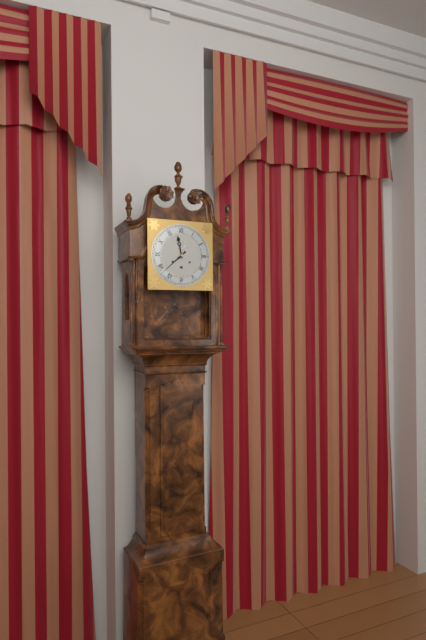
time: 11:38
